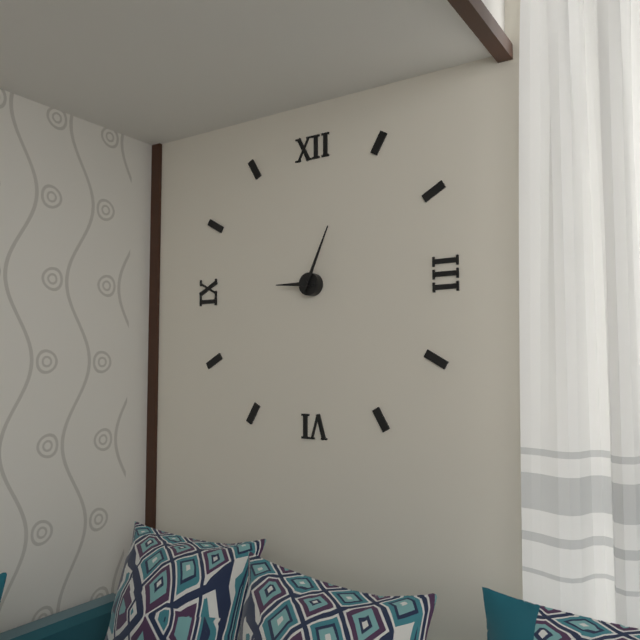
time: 9:04
